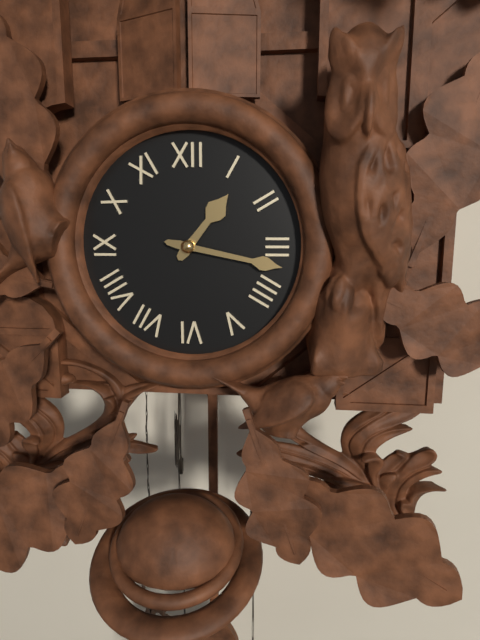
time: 1:17
